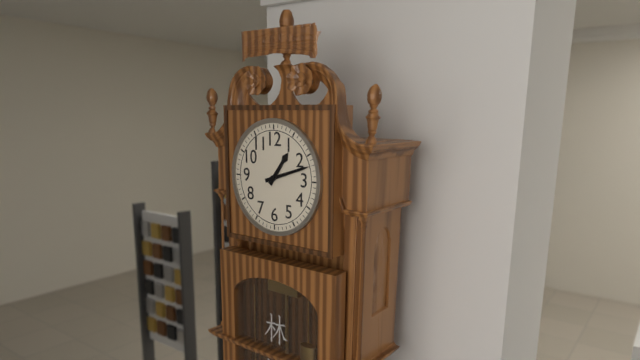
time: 1:12
